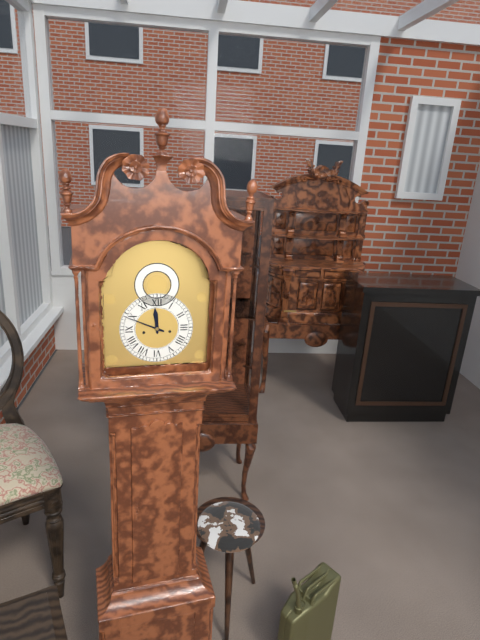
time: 11:49
